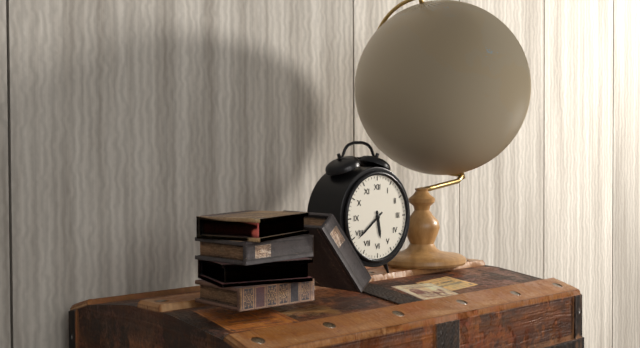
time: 5:39
